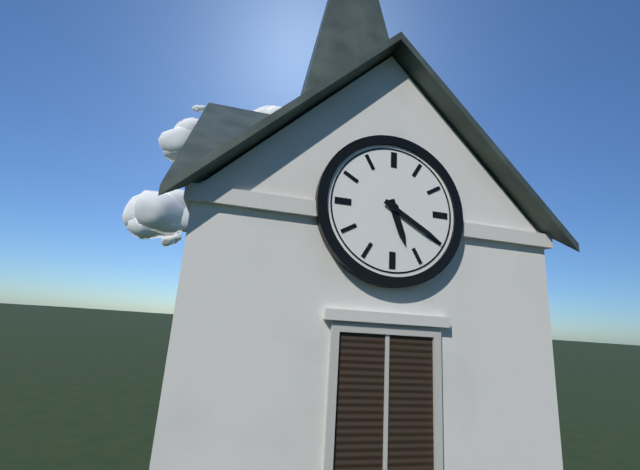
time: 5:20
